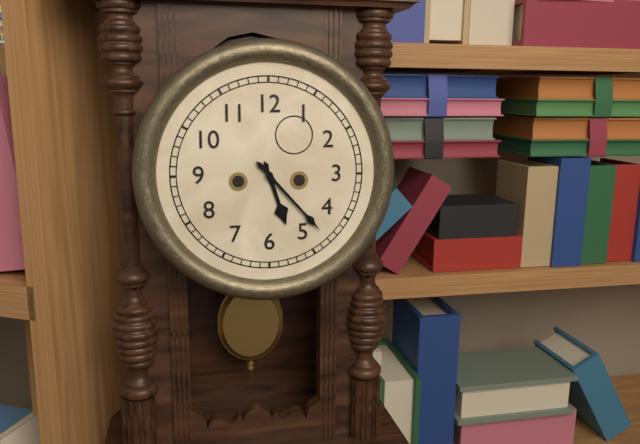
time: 5:23
